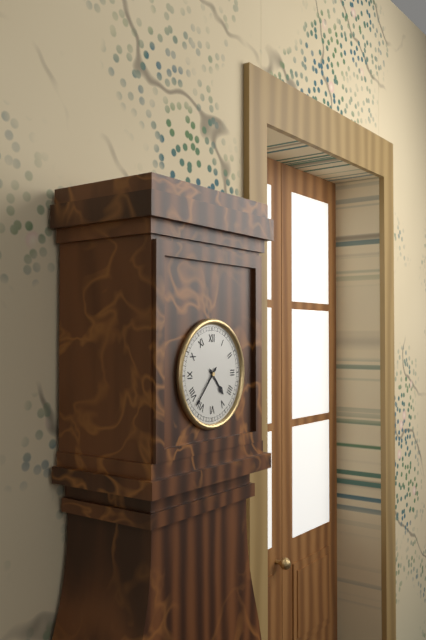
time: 4:37
